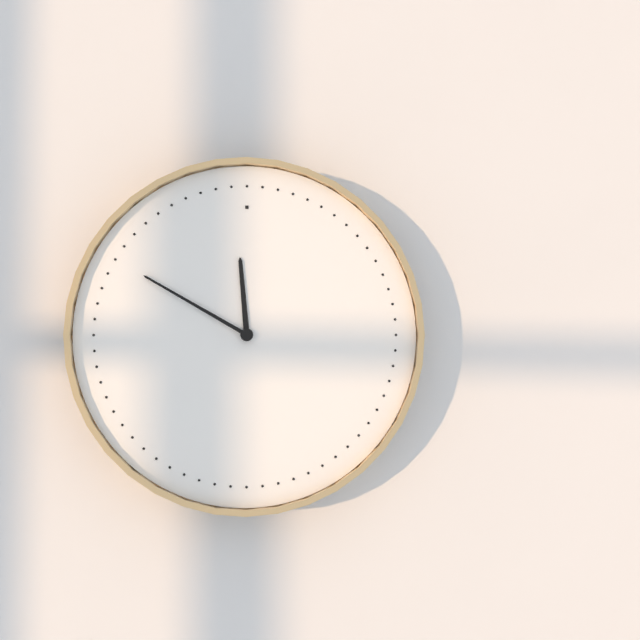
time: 11:50
